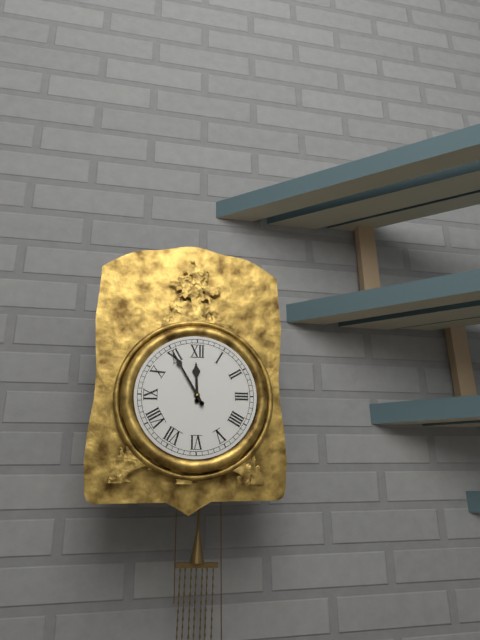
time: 11:55
